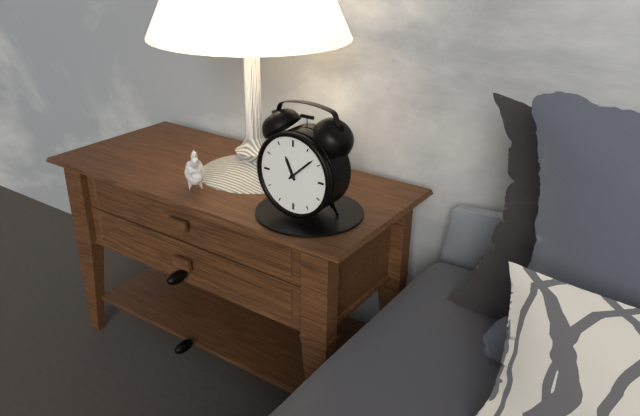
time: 11:08
